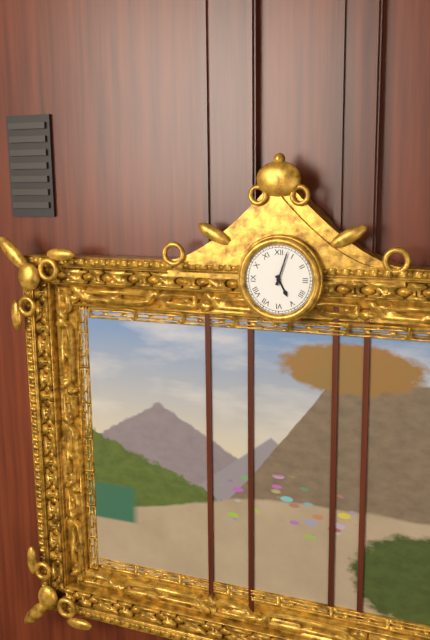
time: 5:03
